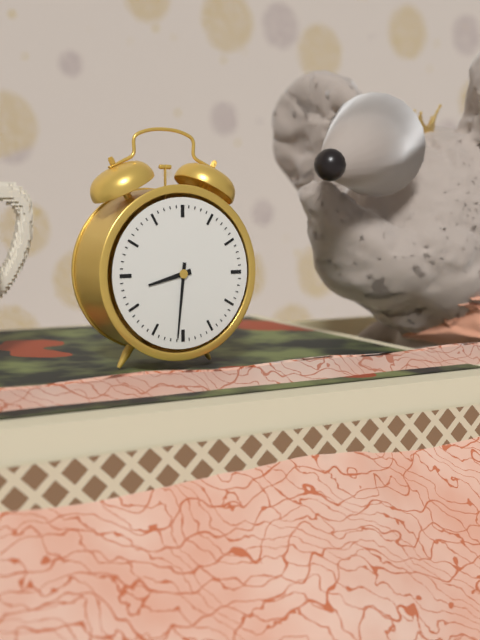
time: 8:31
